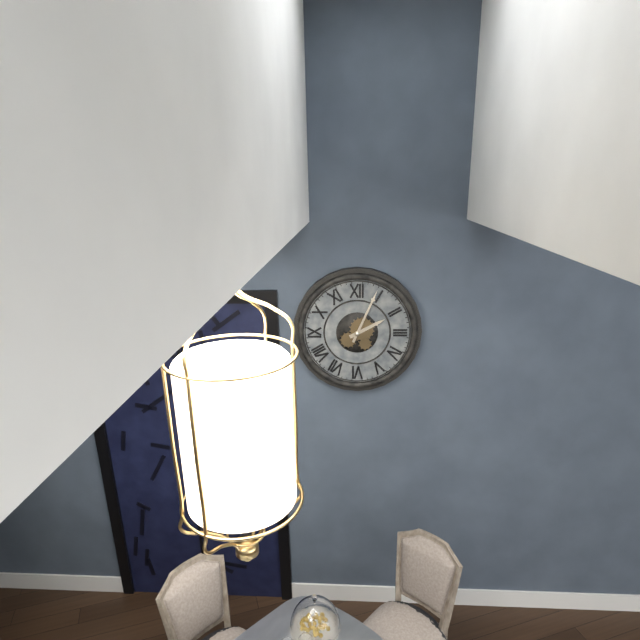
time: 2:04
